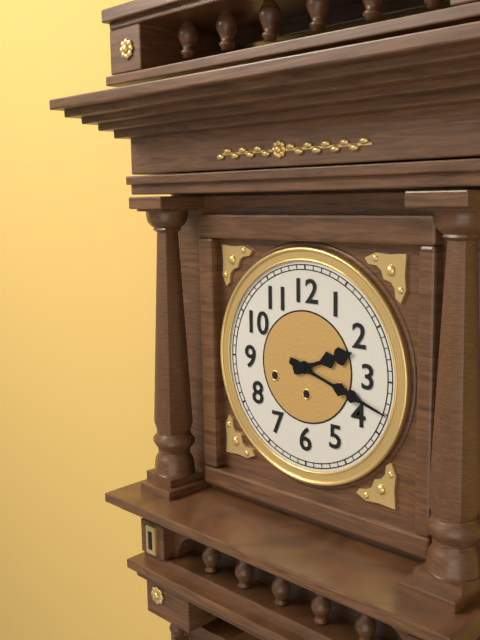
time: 2:18
